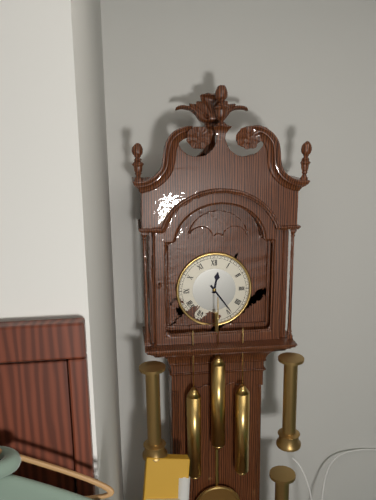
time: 12:24
